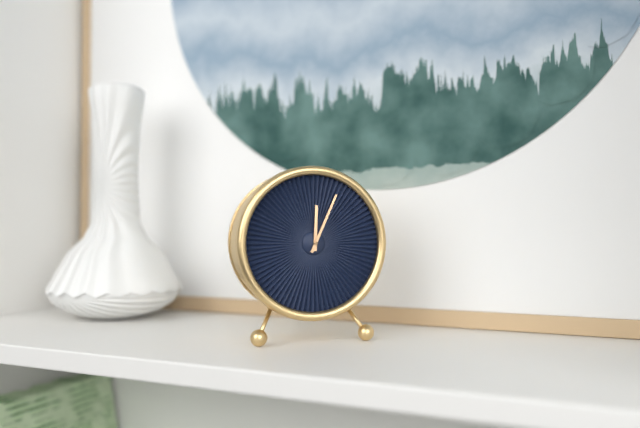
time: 12:04
